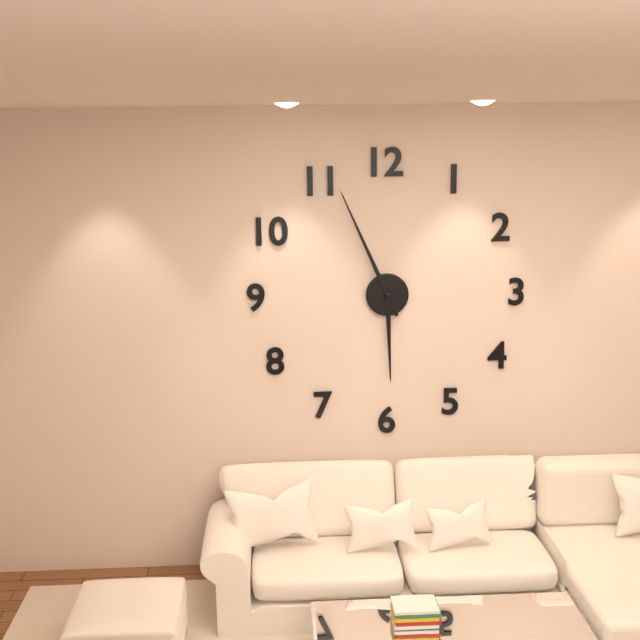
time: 5:56
